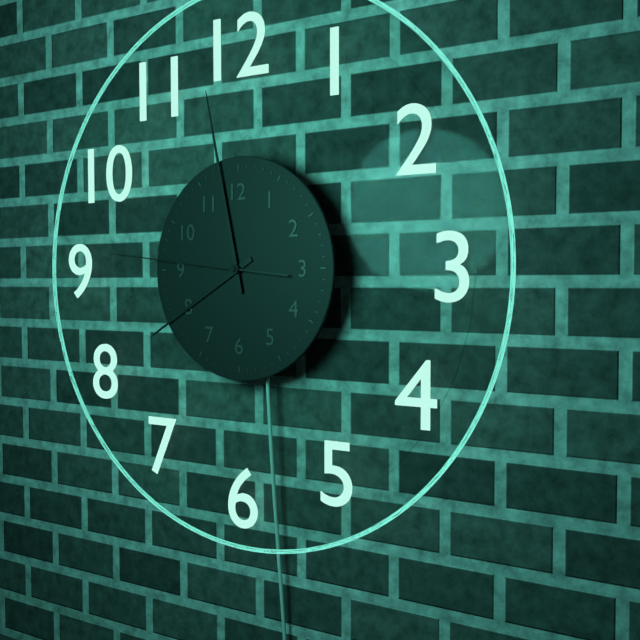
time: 7:58:46
